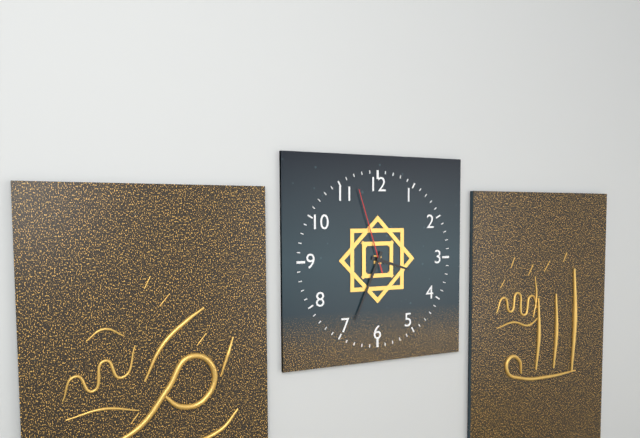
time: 3:34:57
